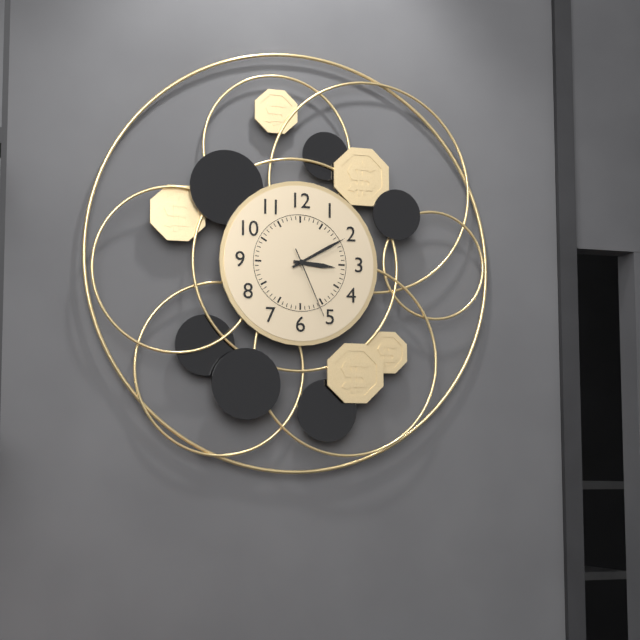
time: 3:10:26
